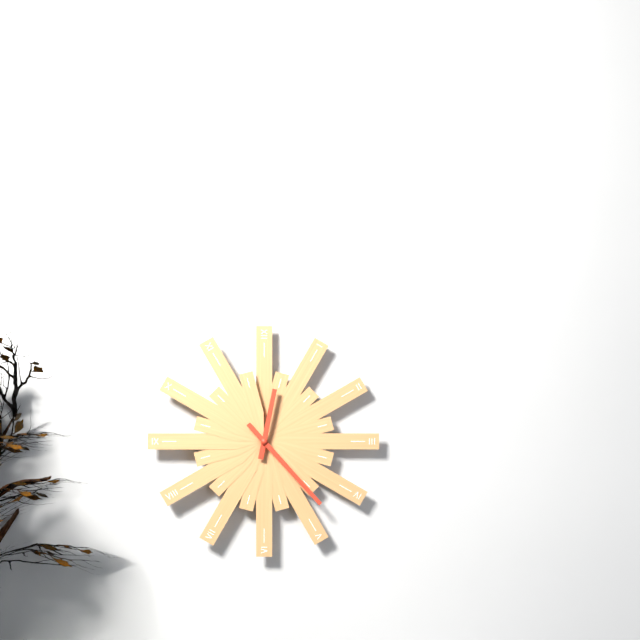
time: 12:23
